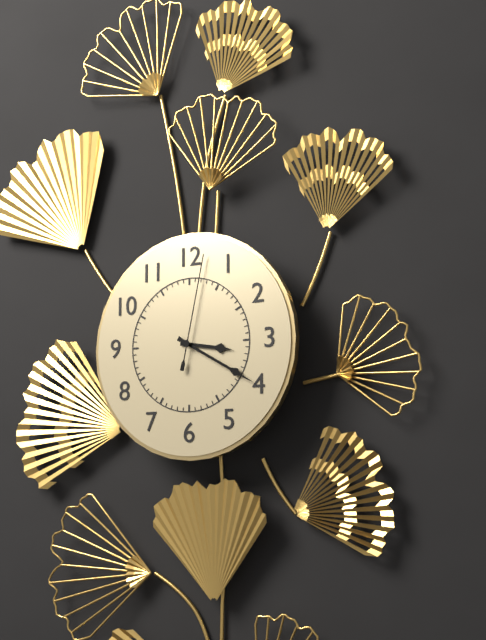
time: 3:20:02
